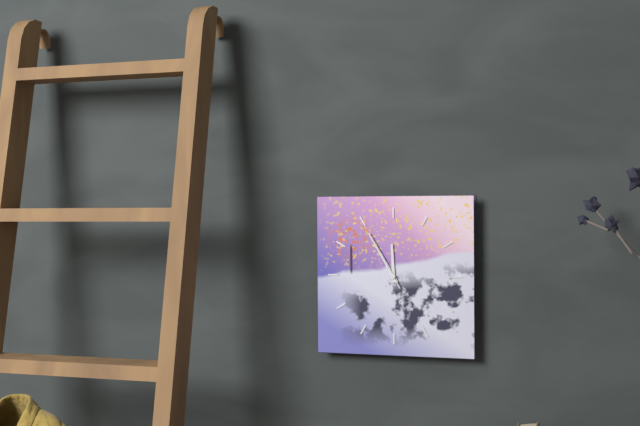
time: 11:55:55
